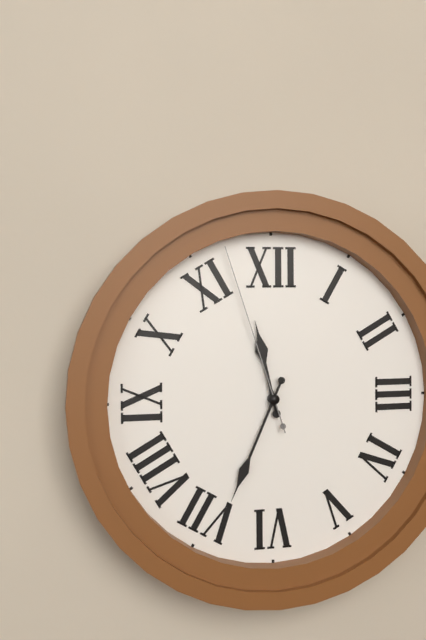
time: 11:34:57
